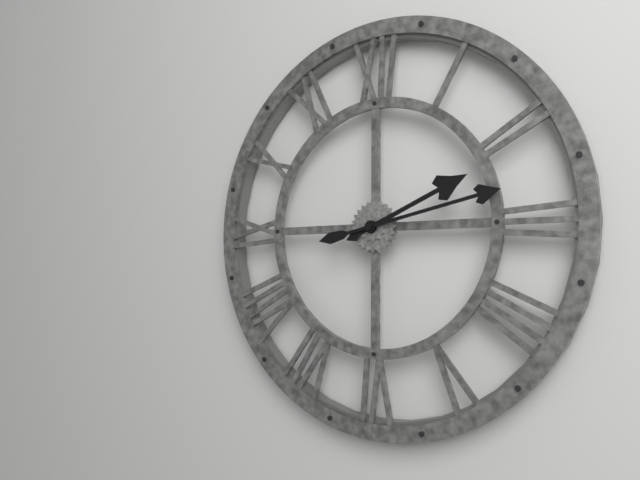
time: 2:13
